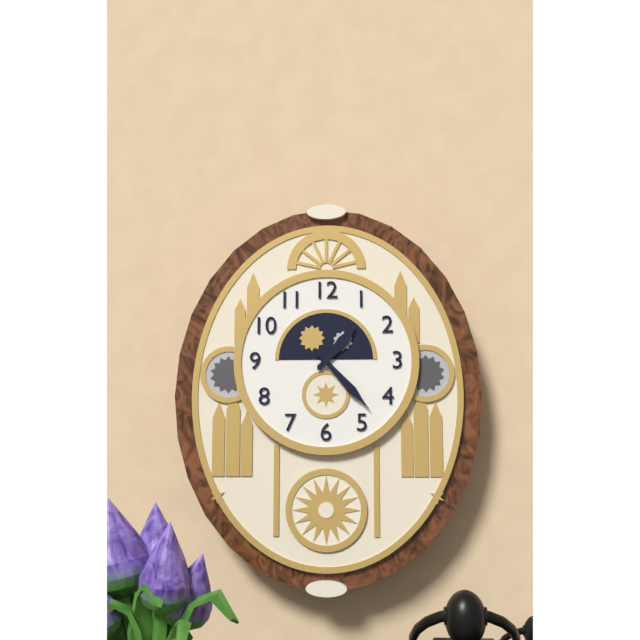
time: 1:23
